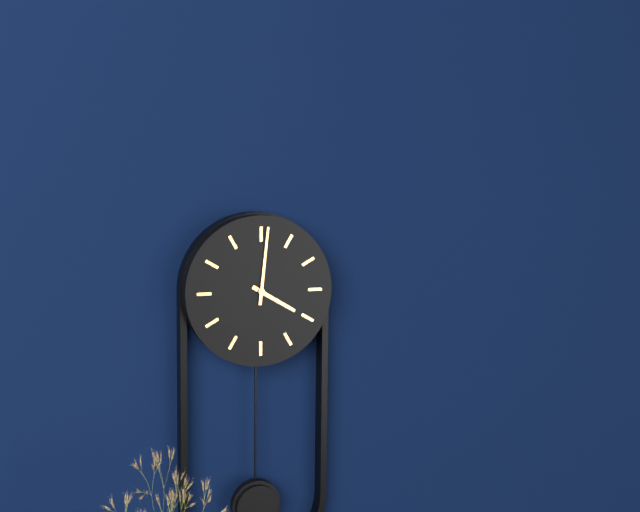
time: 4:01
